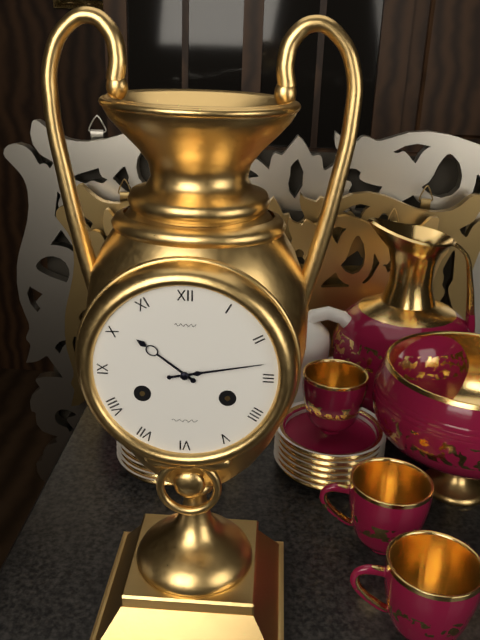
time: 10:13
